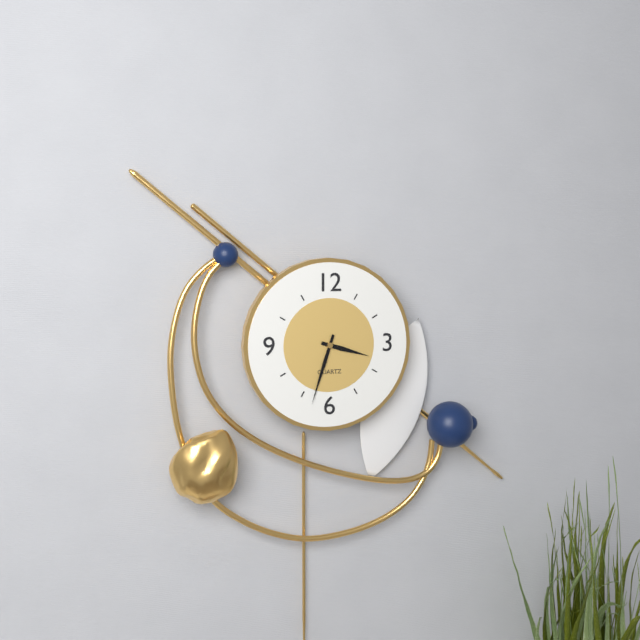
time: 3:33
